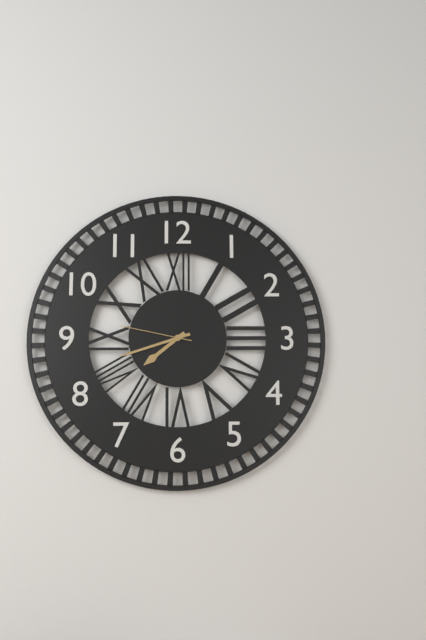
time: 7:42:47
